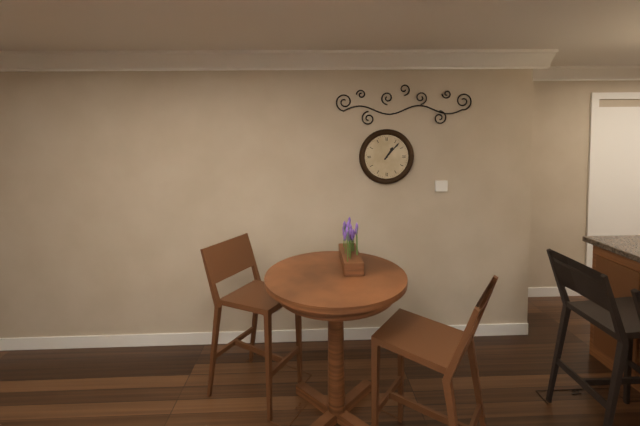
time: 1:07
